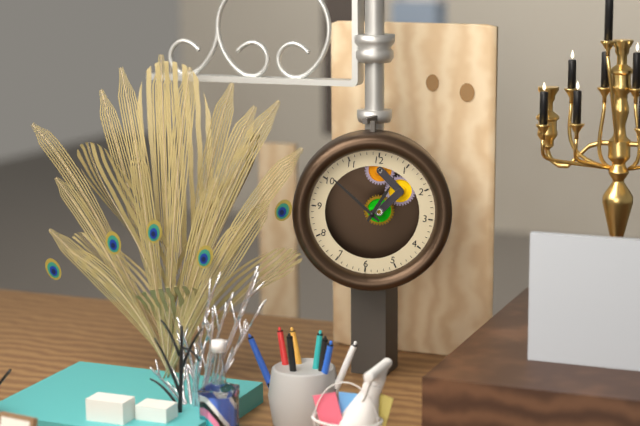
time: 12:51
